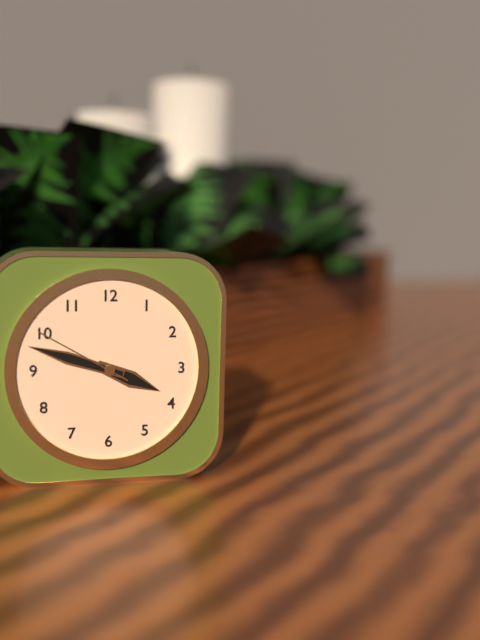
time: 3:48:50
